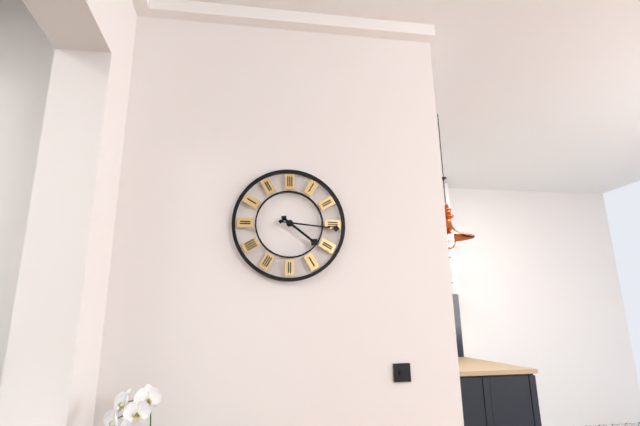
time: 4:16
